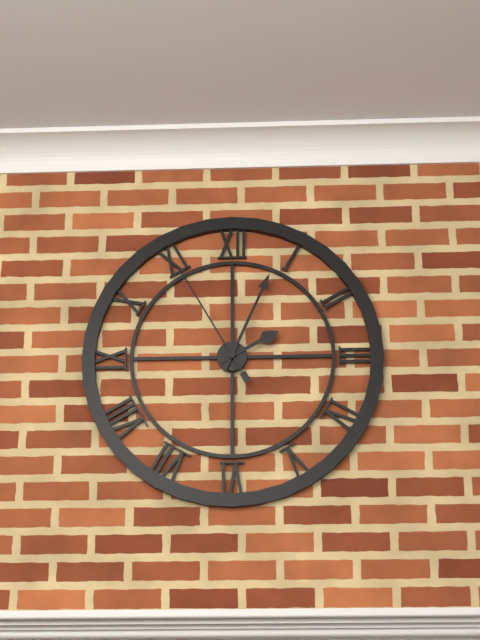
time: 2:04:55
